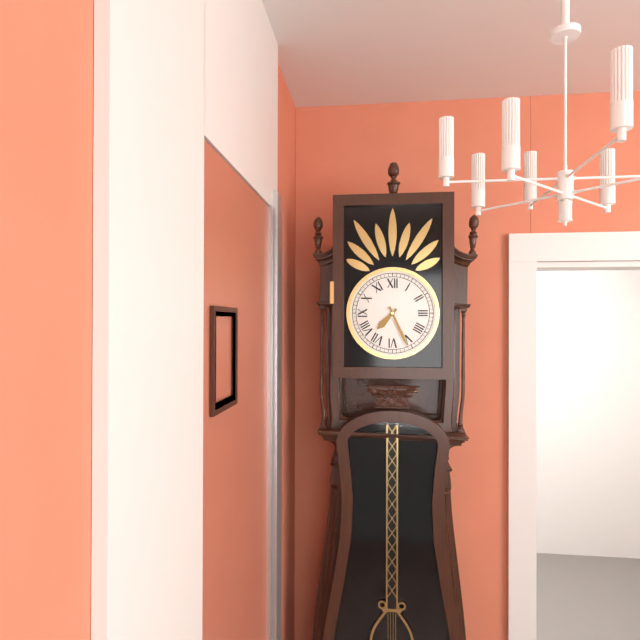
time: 7:26
